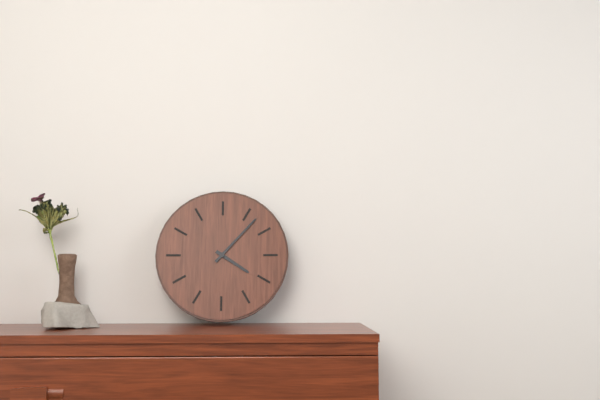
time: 4:07
